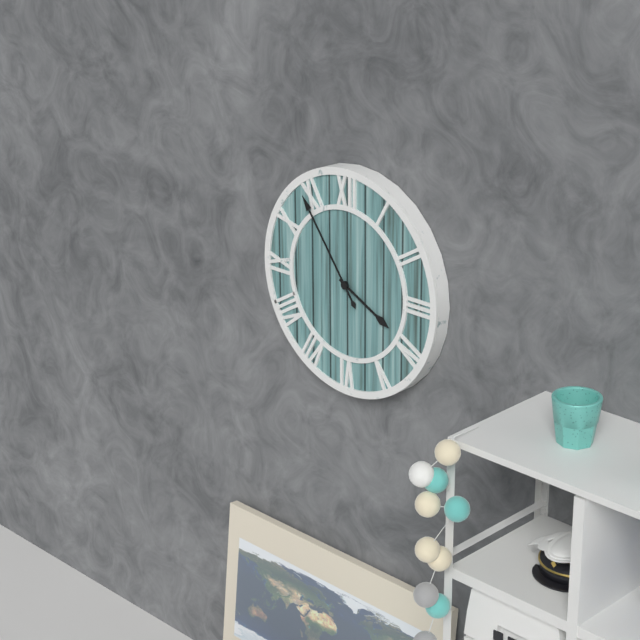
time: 3:54
